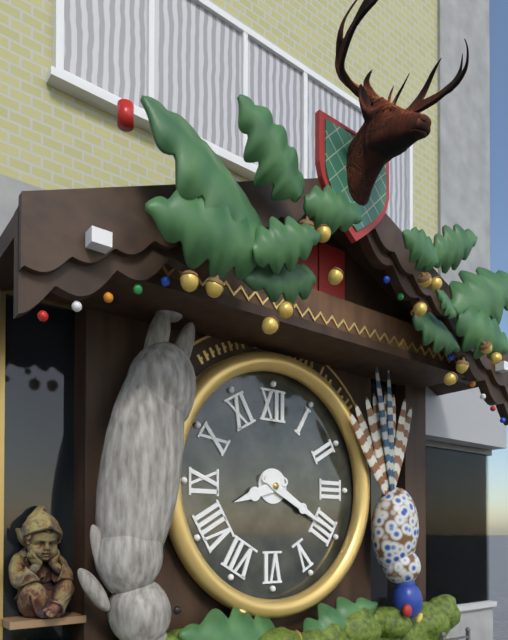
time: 8:20
